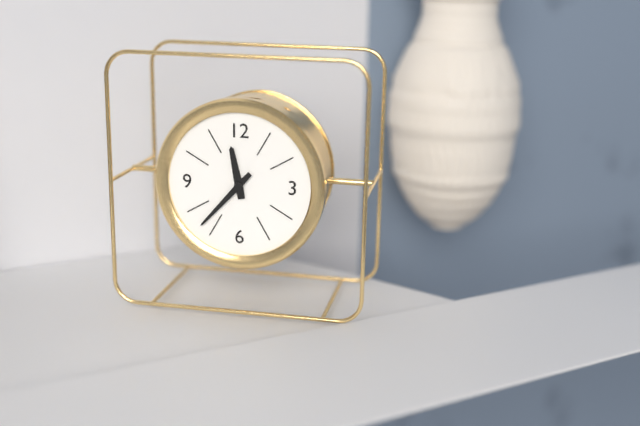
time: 11:37
